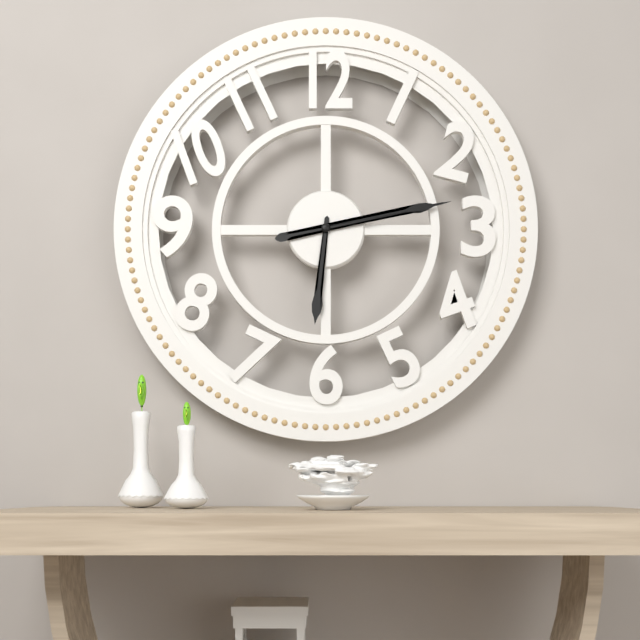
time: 6:13
